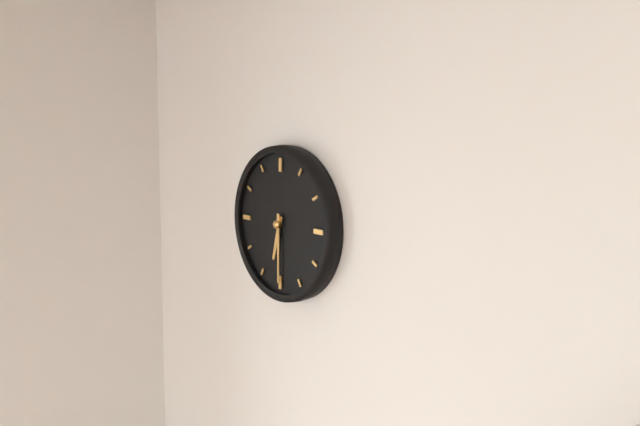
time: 6:30
